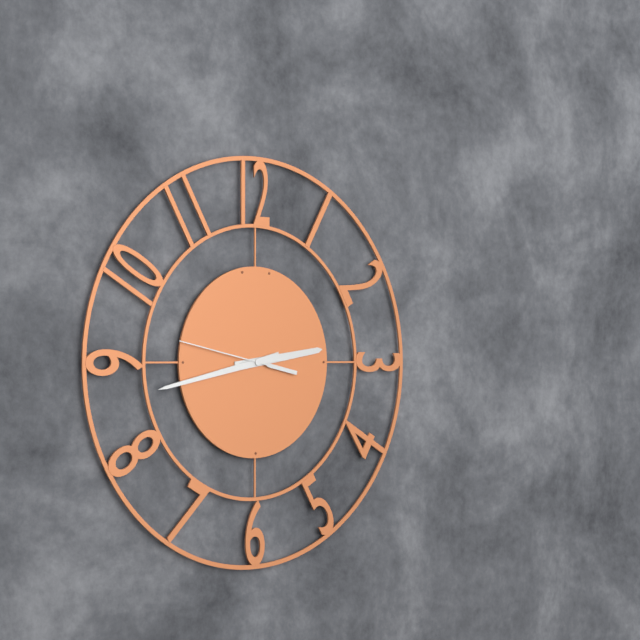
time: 2:43:47
